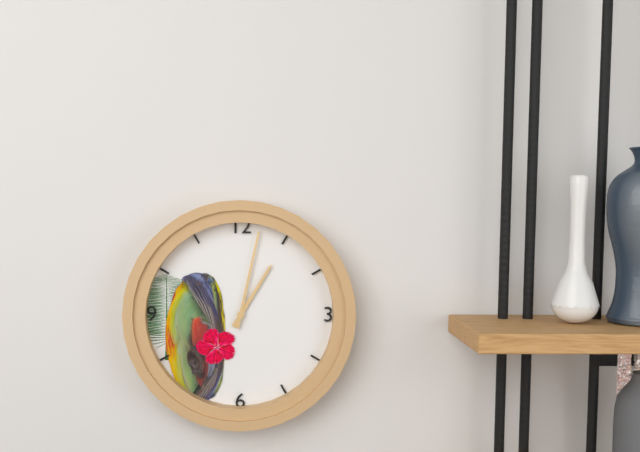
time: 1:02
